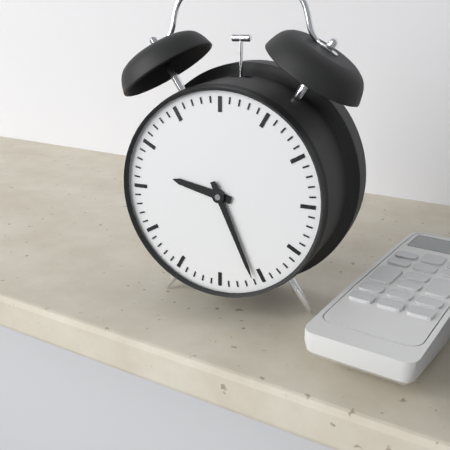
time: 9:26
